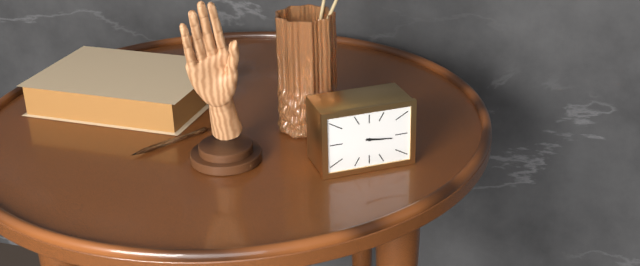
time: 3:16
